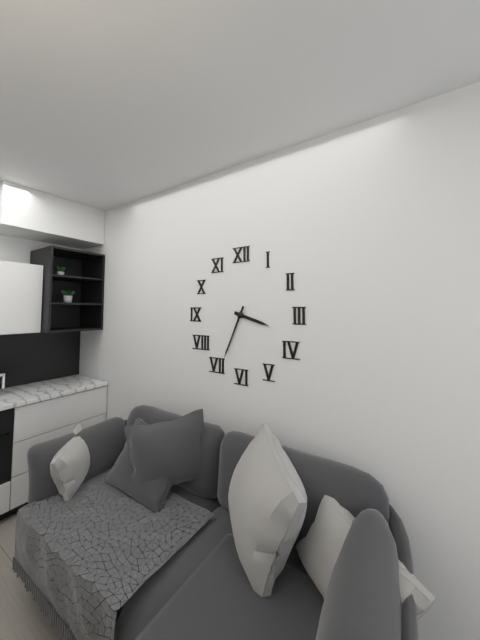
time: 3:34
